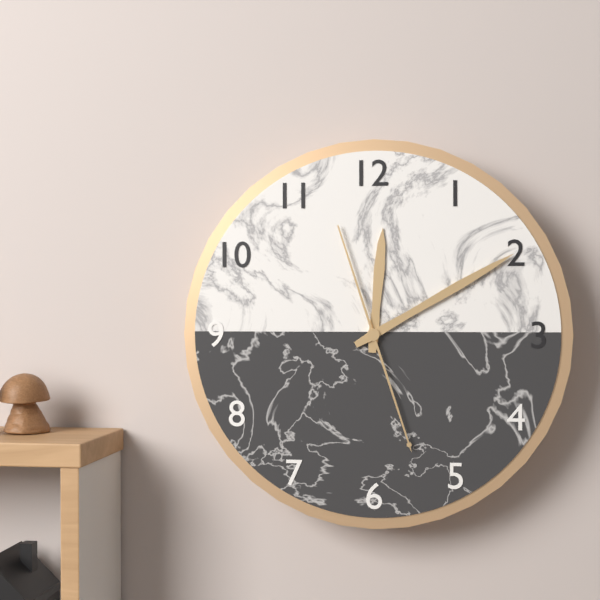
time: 12:10:27
